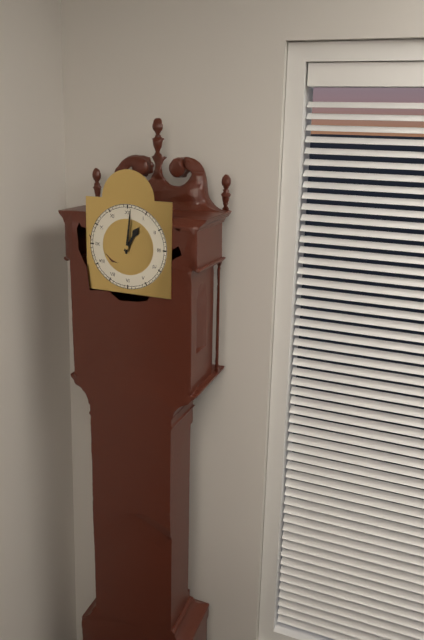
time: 1:01
